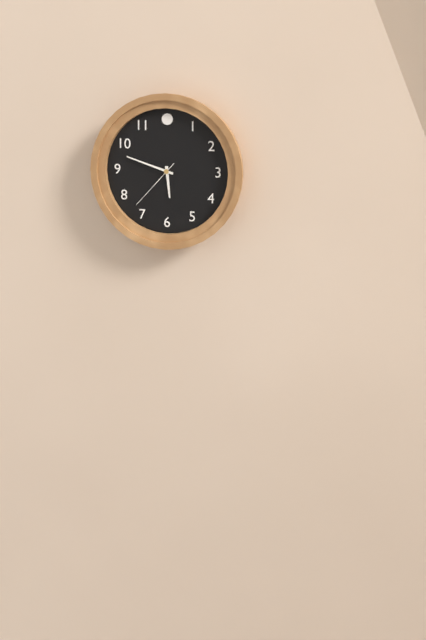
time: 5:48:37
